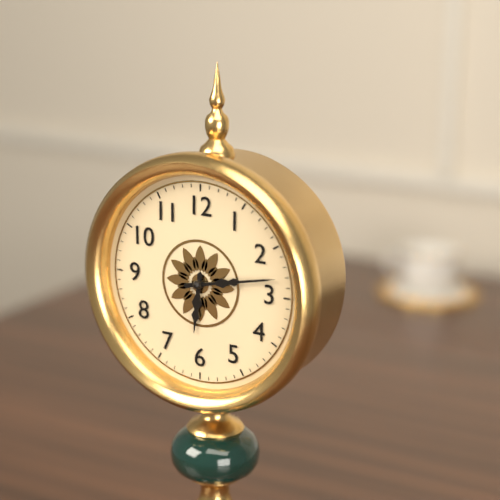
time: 6:13
